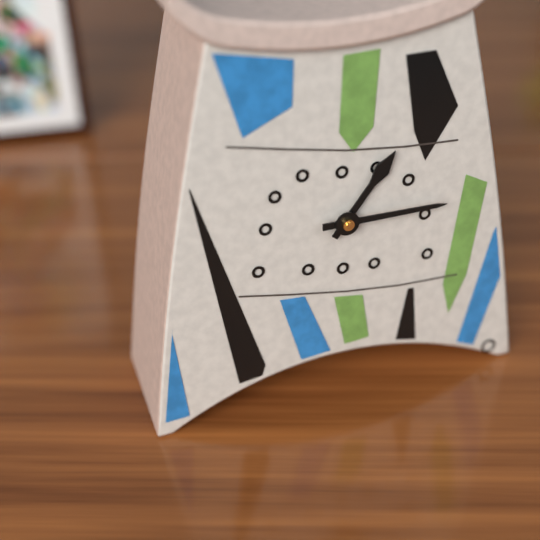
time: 1:15
